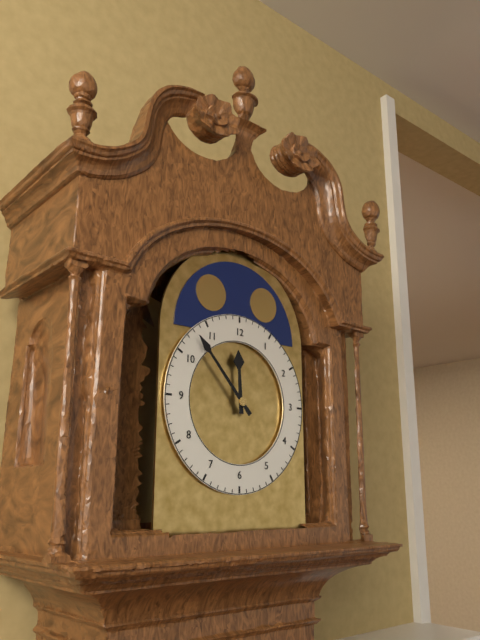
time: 11:53
